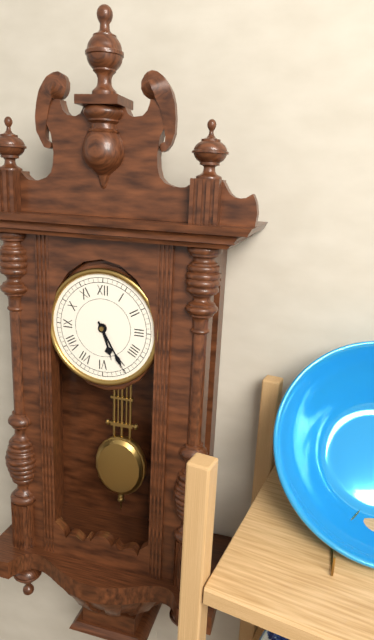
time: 5:25
